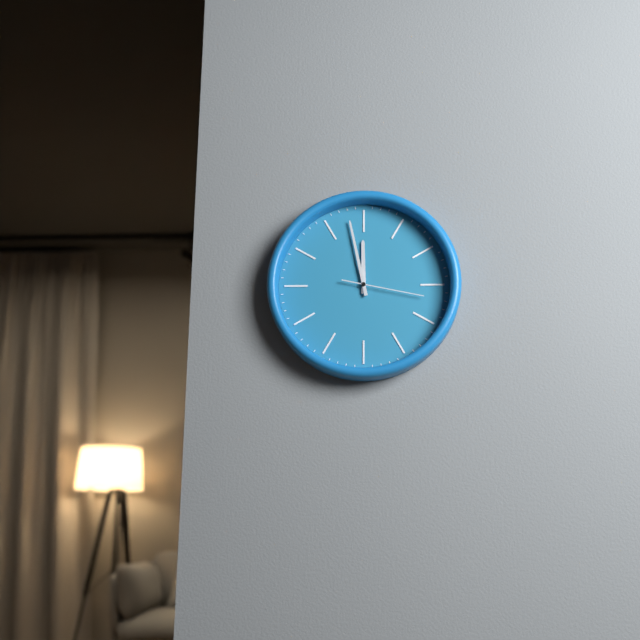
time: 11:58:17
